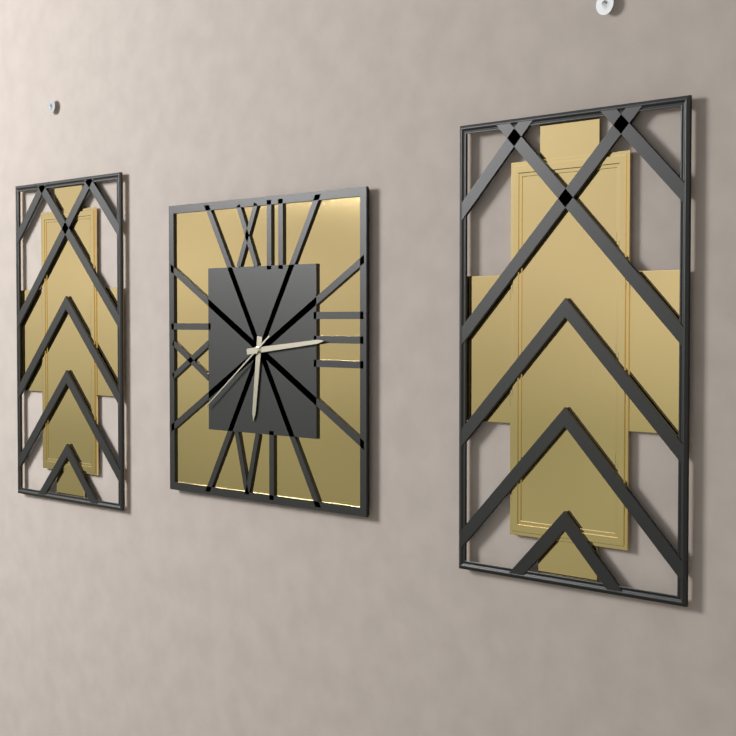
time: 6:14:39
